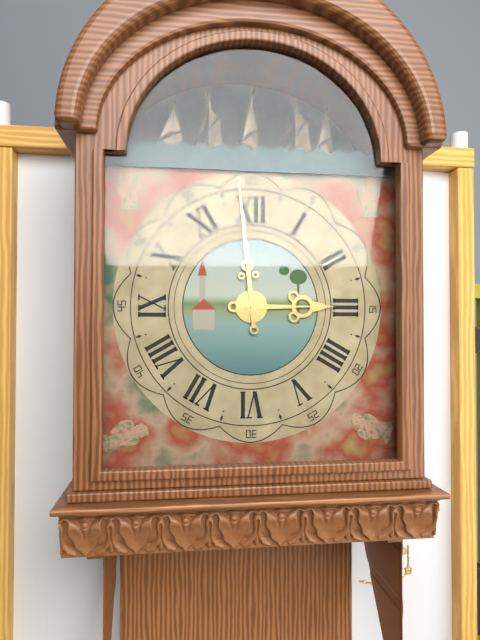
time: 2:59
